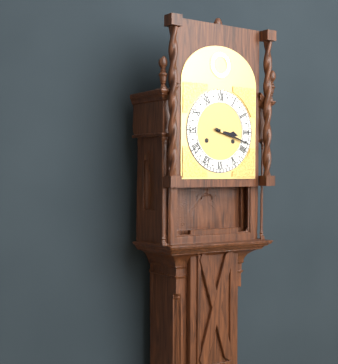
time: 3:18
